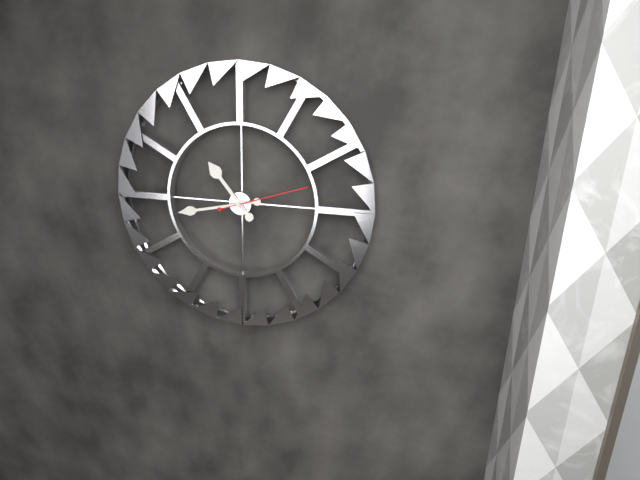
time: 10:43:12
